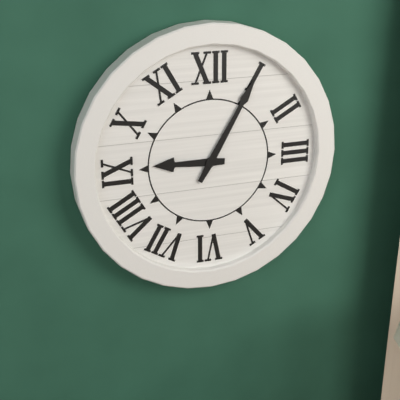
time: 9:05
